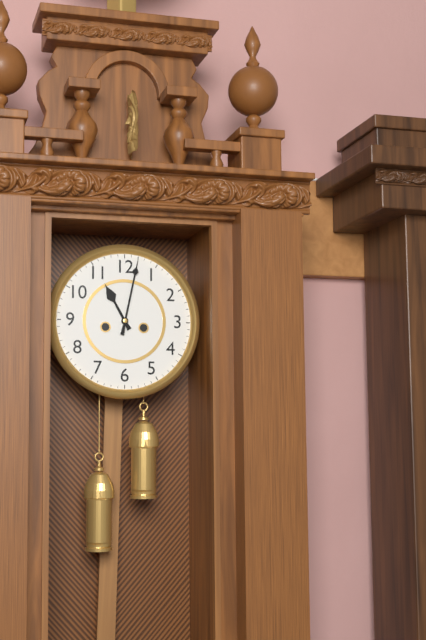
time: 11:02
